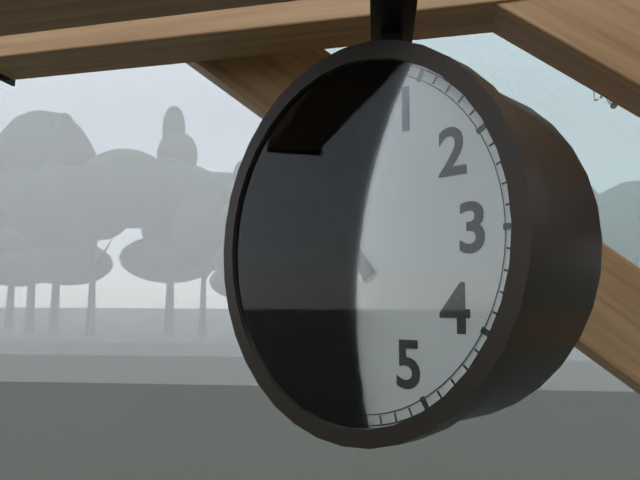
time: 6:54
